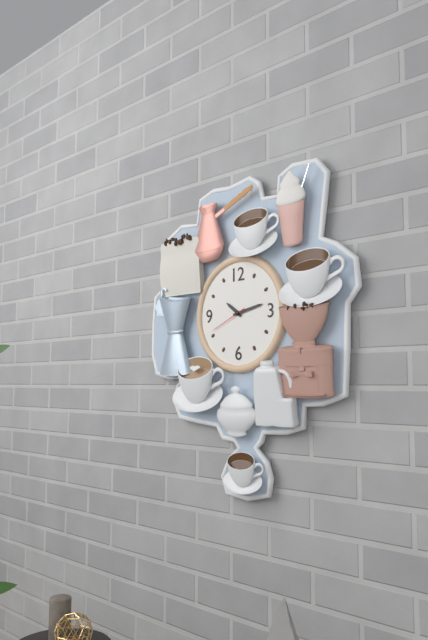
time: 10:13
